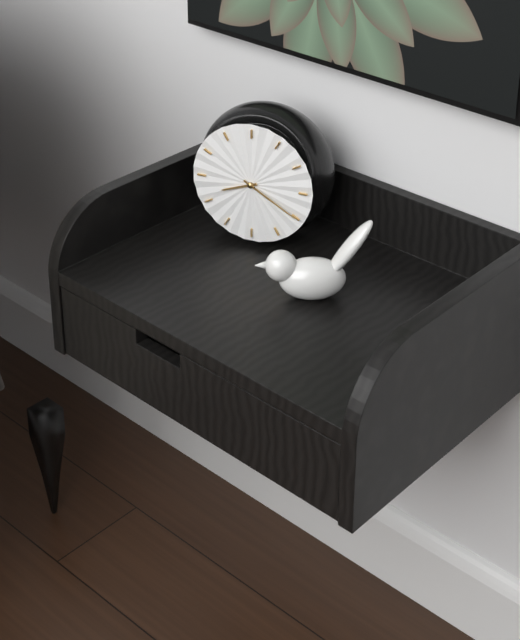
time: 8:20
